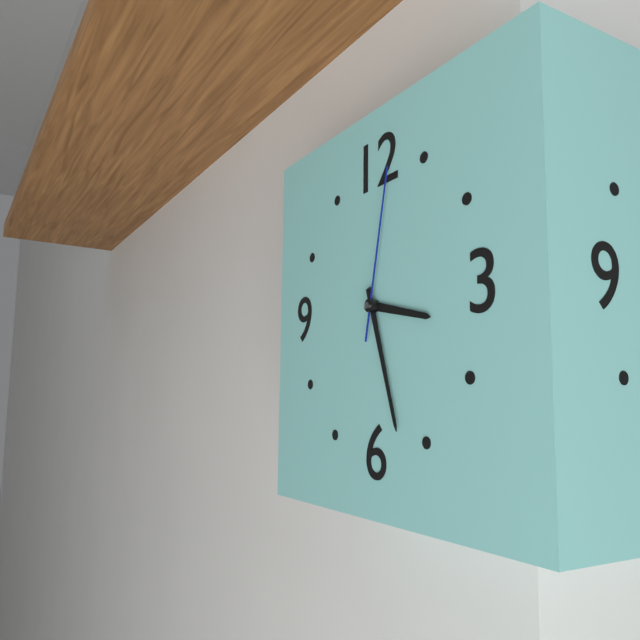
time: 3:27:02
